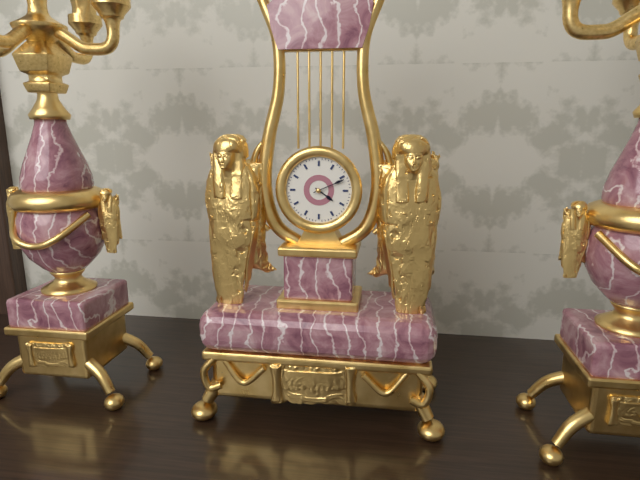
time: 4:11
